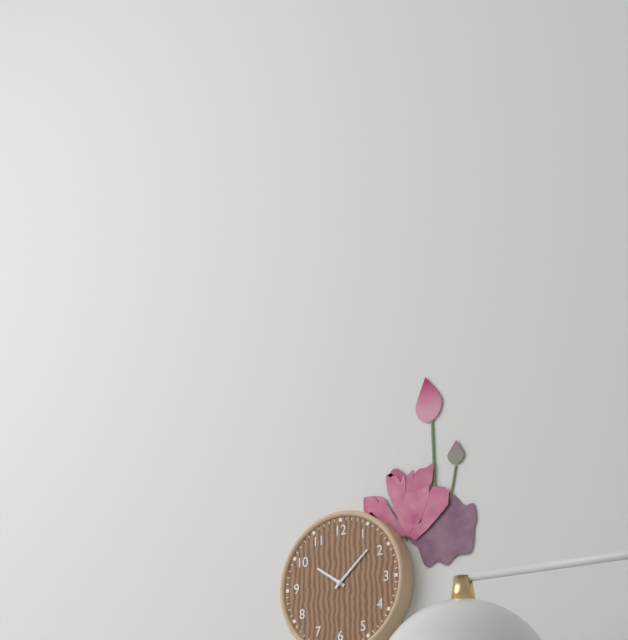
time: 10:08
